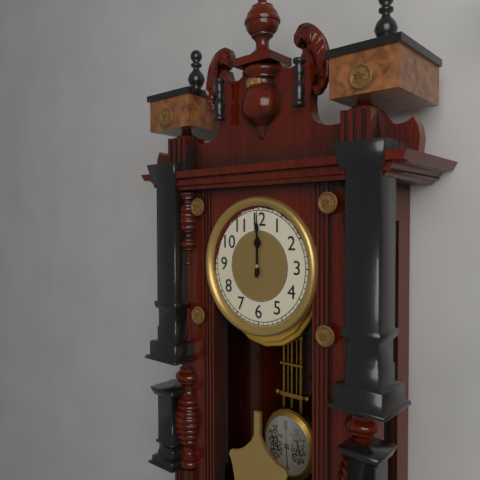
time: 12:00
